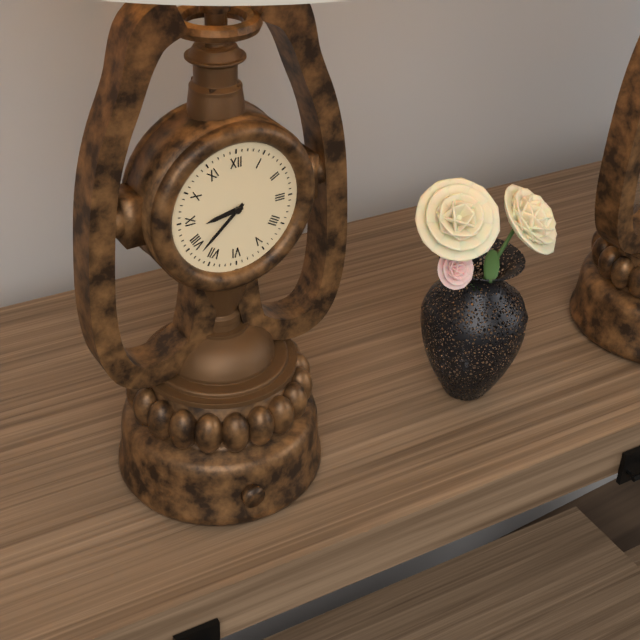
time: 8:38
